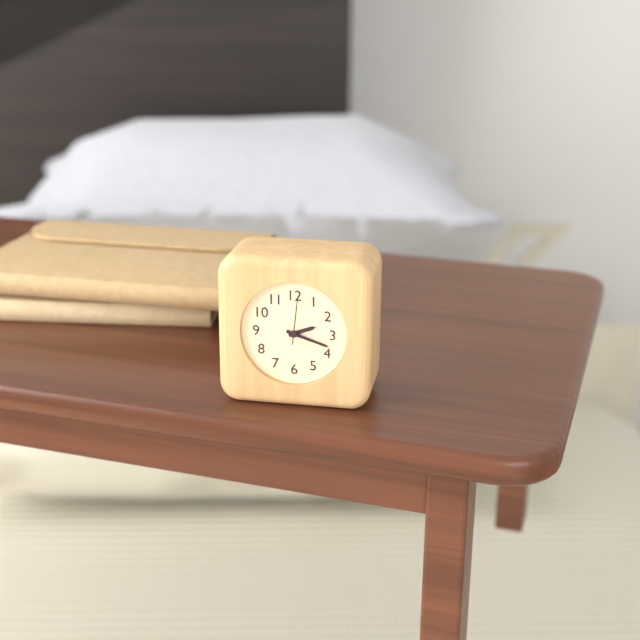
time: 2:18
